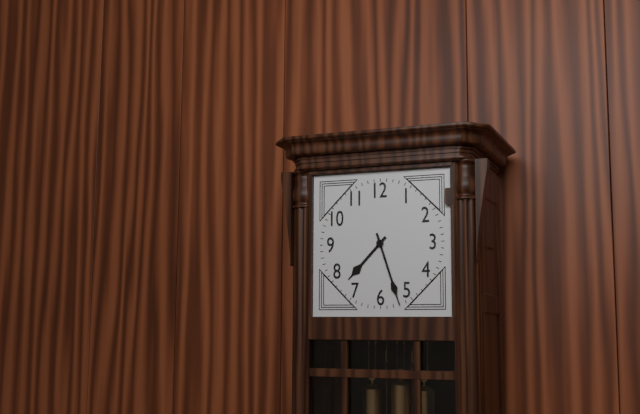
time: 7:27
